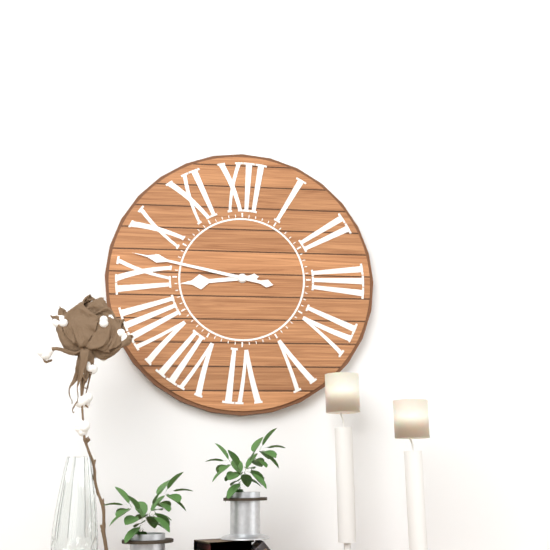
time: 8:47
